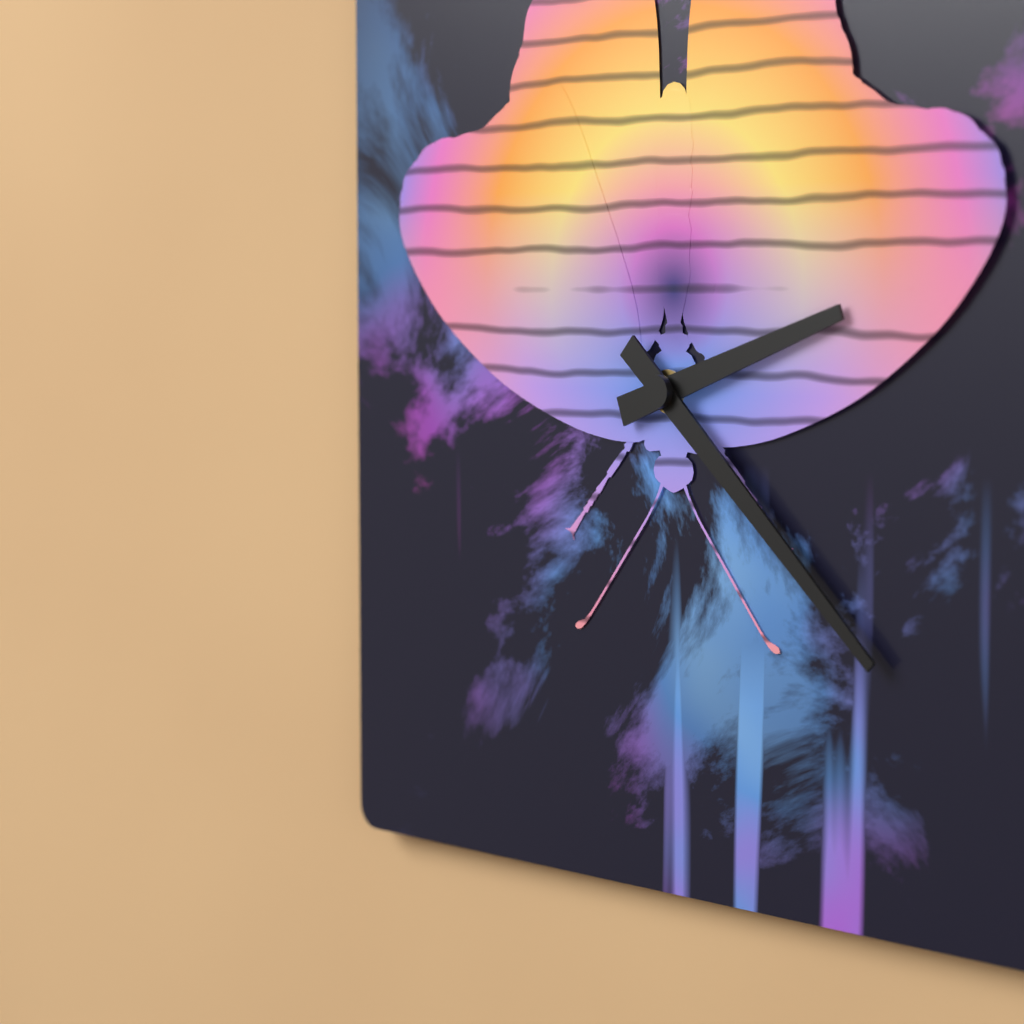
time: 2:22
